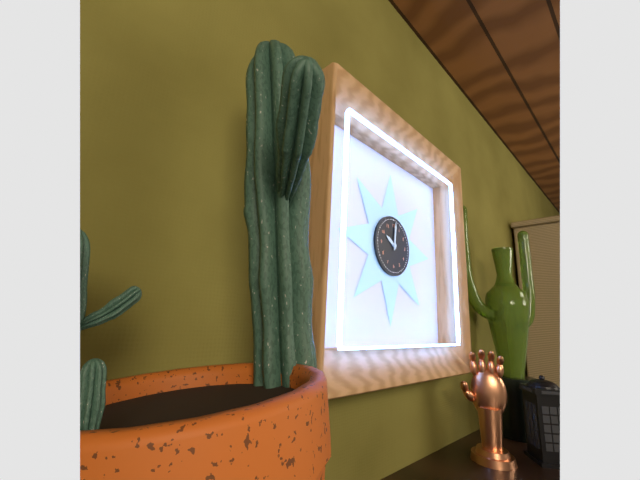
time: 10:01
